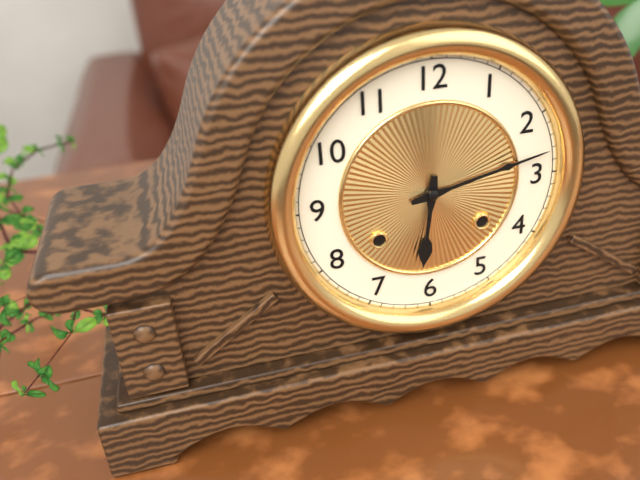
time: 6:13
